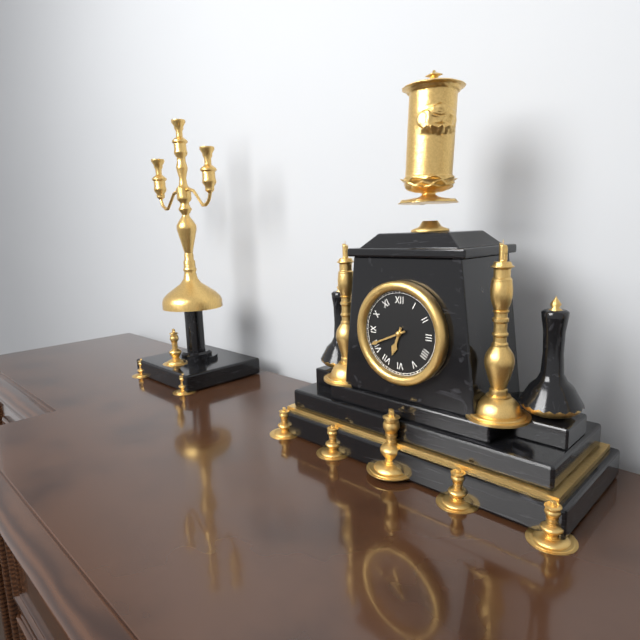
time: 6:41
